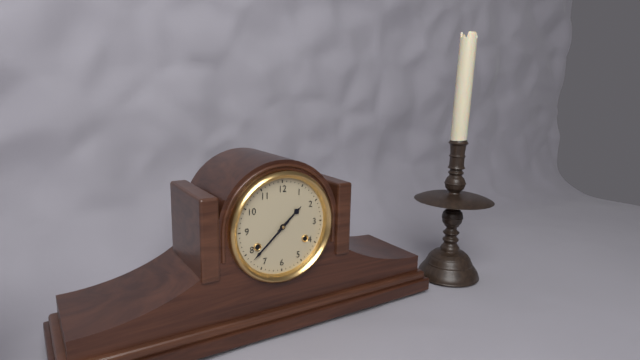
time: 1:38
